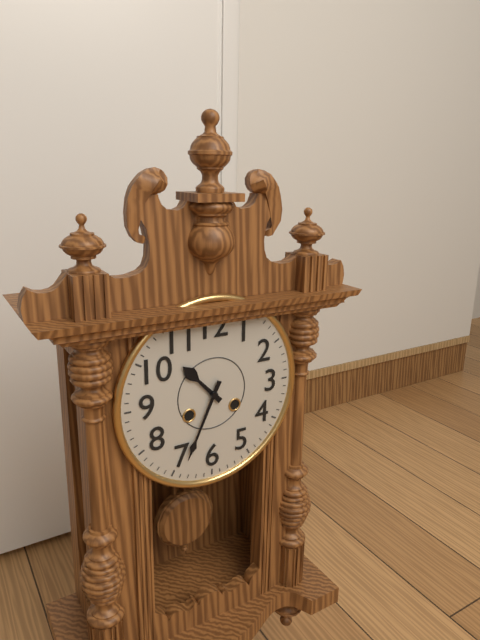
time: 10:34
